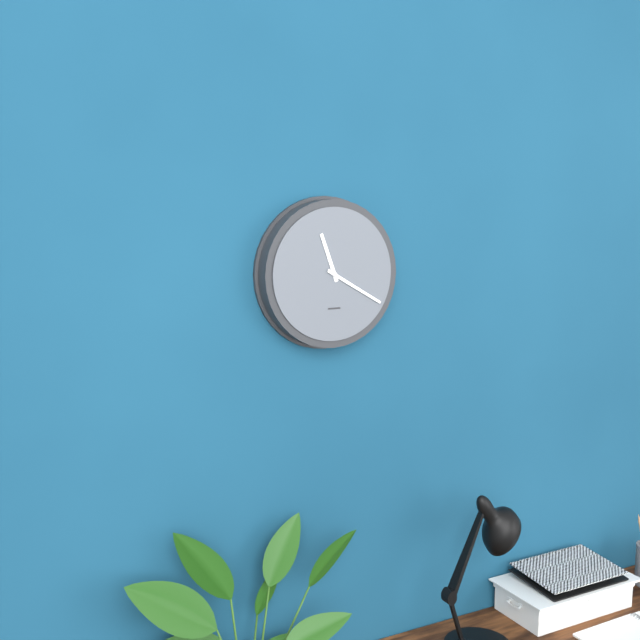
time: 11:20
